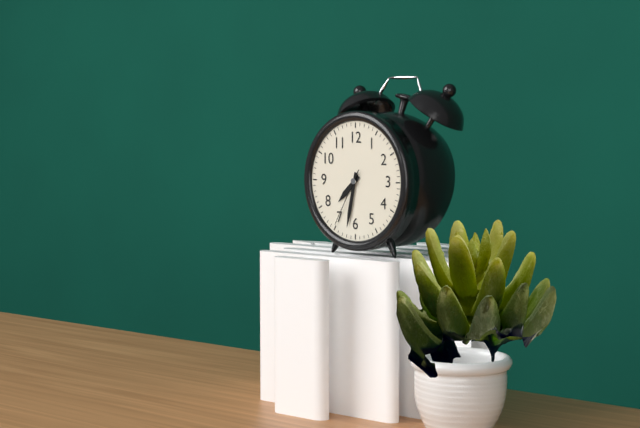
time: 7:32:35
